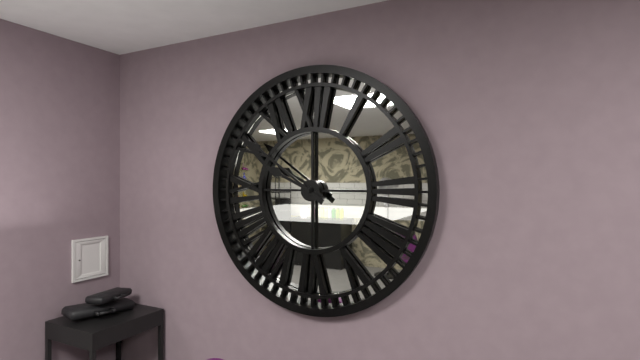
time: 9:51
